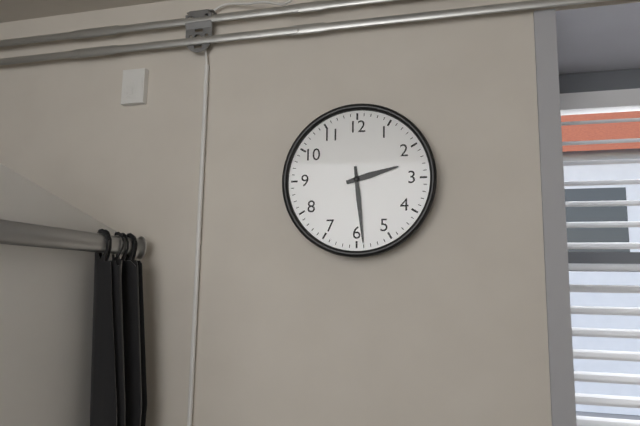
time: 2:29
